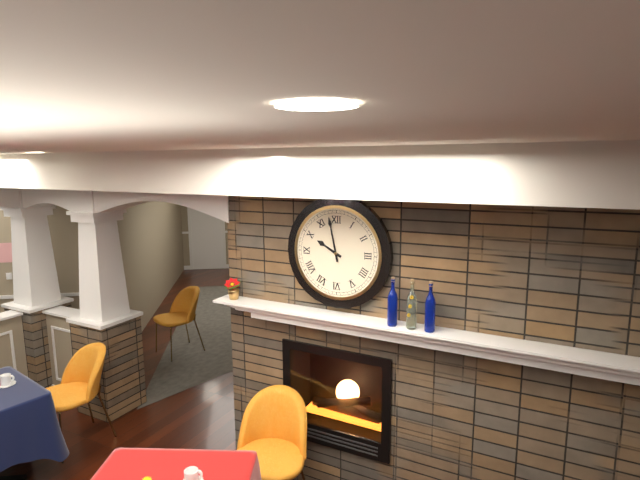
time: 9:58
